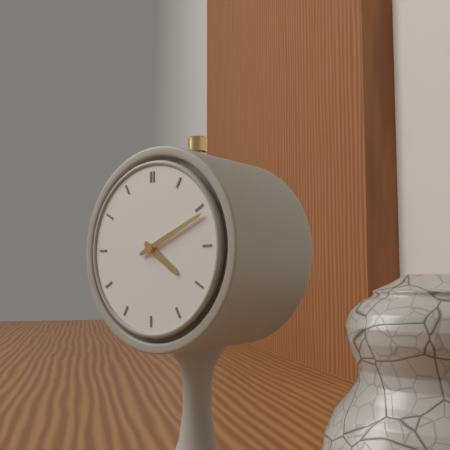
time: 4:11
